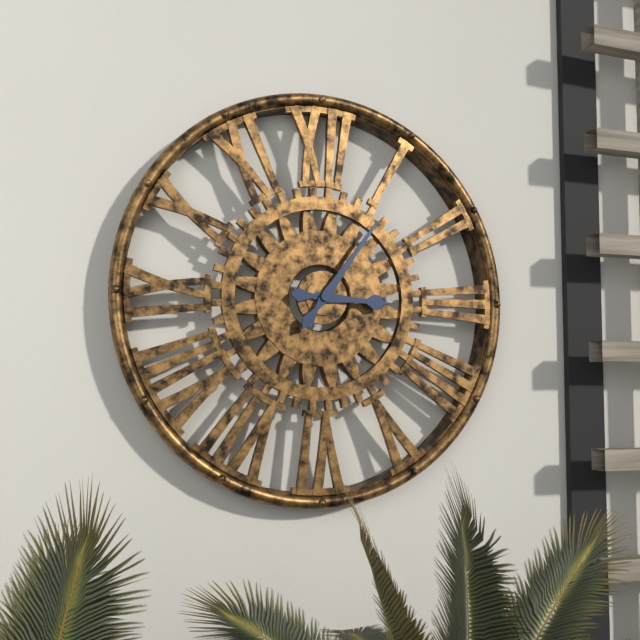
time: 3:06
